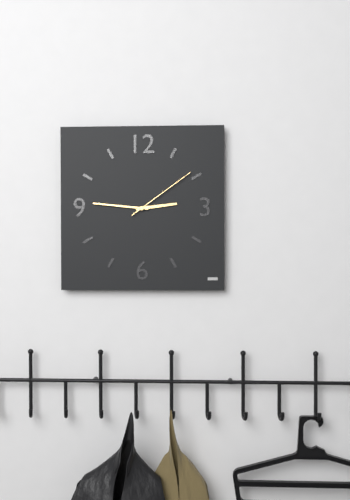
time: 2:46:09
